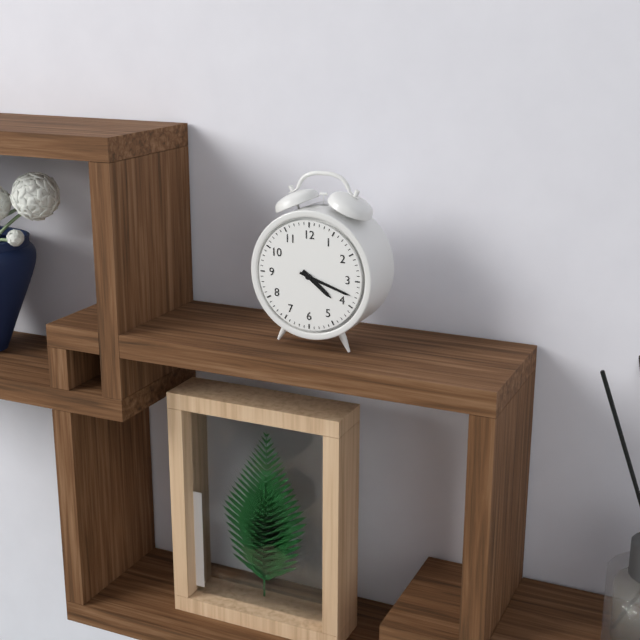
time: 4:18
